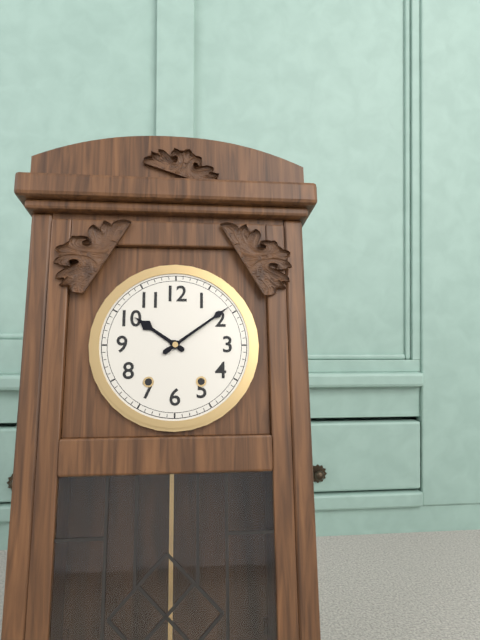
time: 10:09
